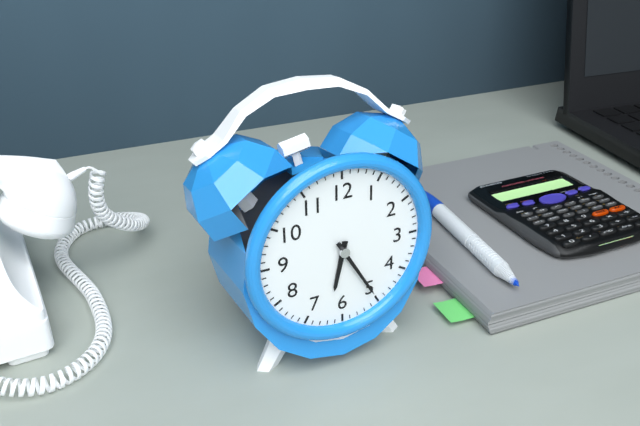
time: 6:25
